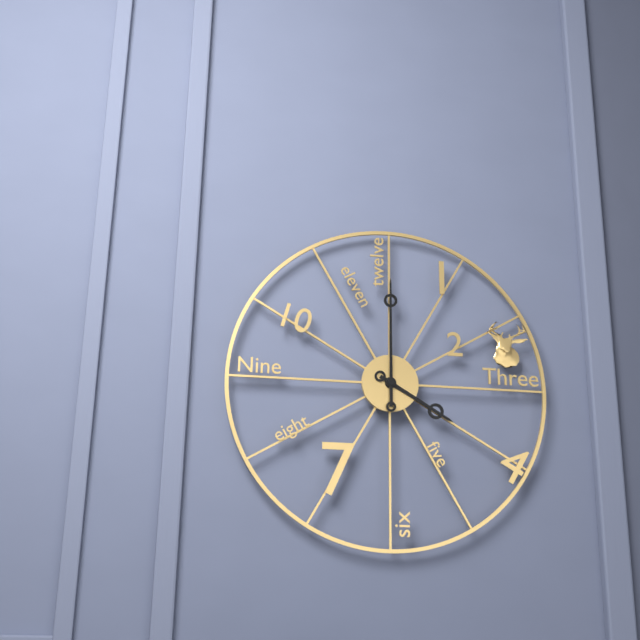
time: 4:00
